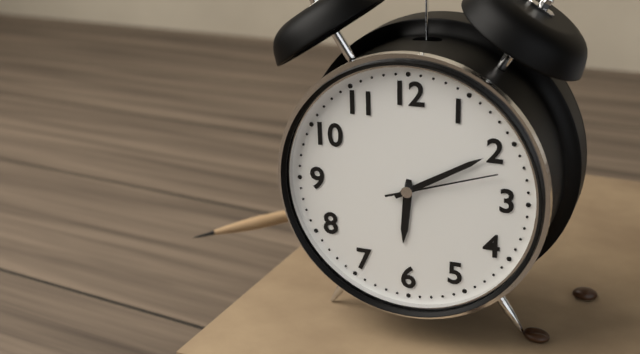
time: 6:10:12
